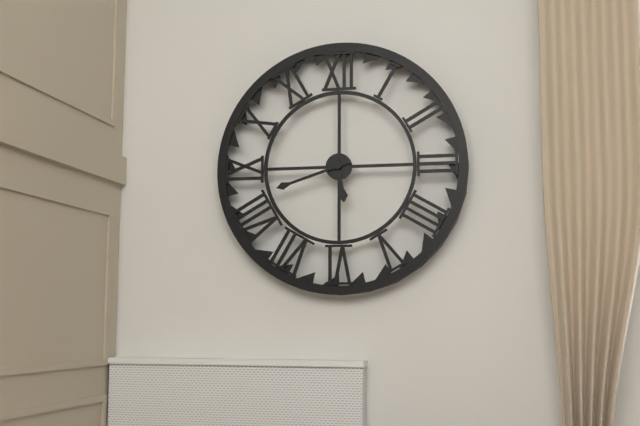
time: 5:42
